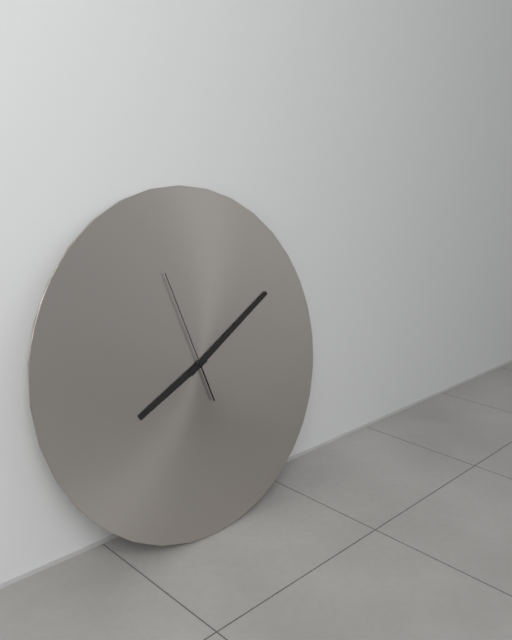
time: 8:10:57
